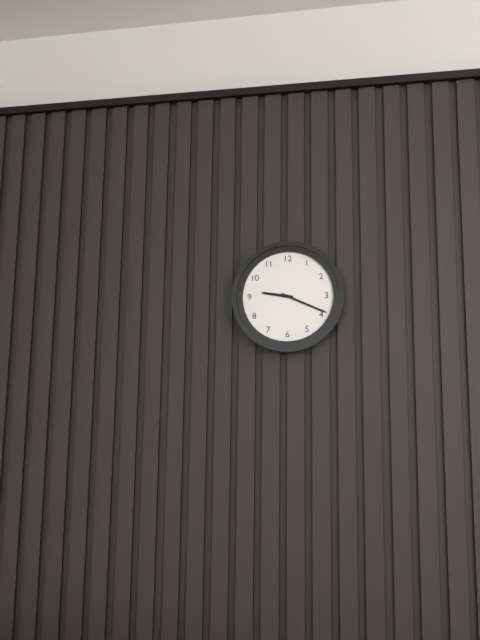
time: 9:19
